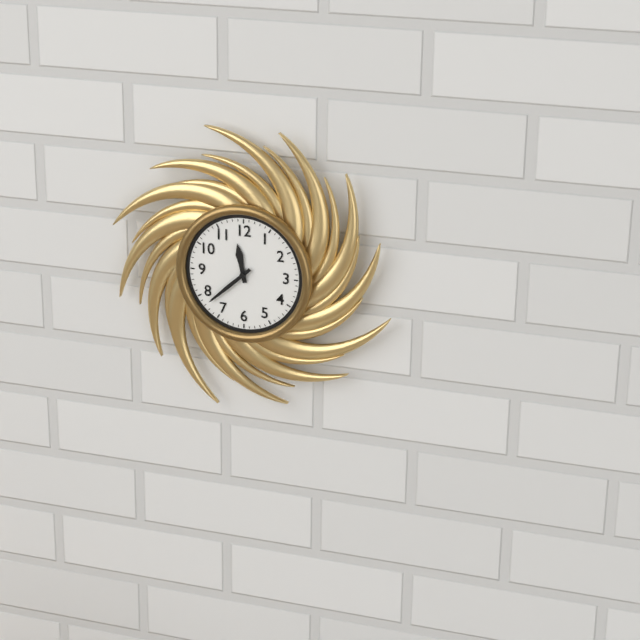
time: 11:38
